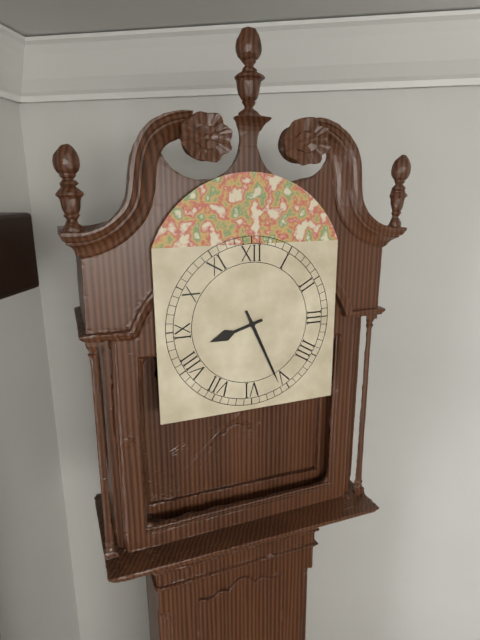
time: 8:26
